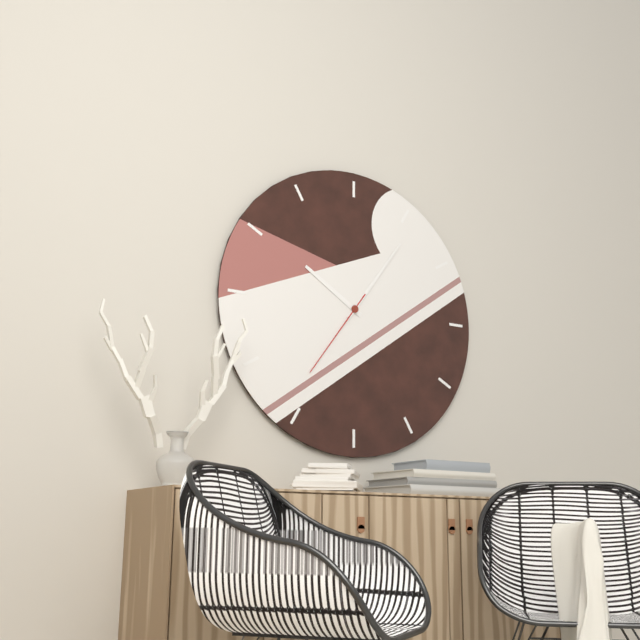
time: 10:06:36
